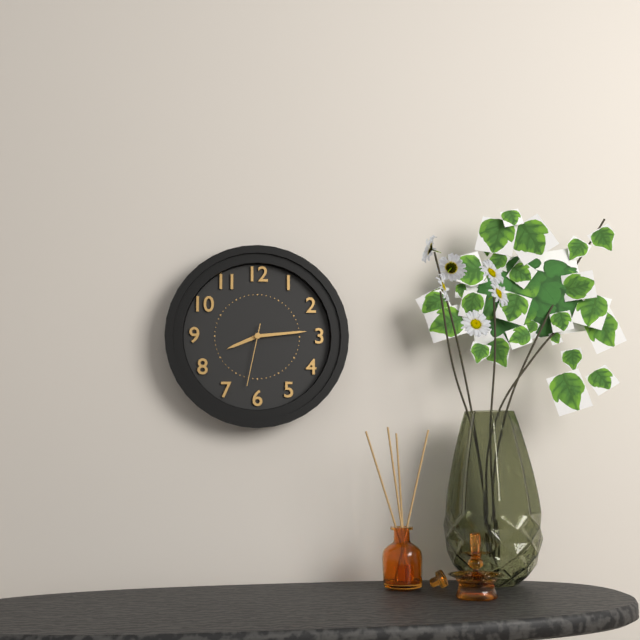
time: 8:14:32
